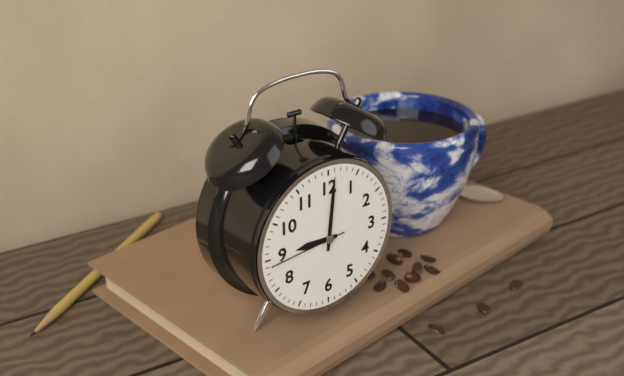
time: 9:01:44
